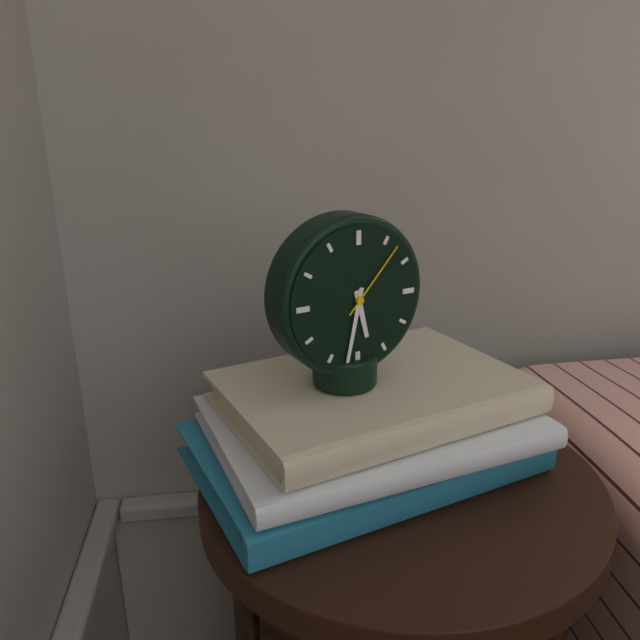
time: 5:32:07
